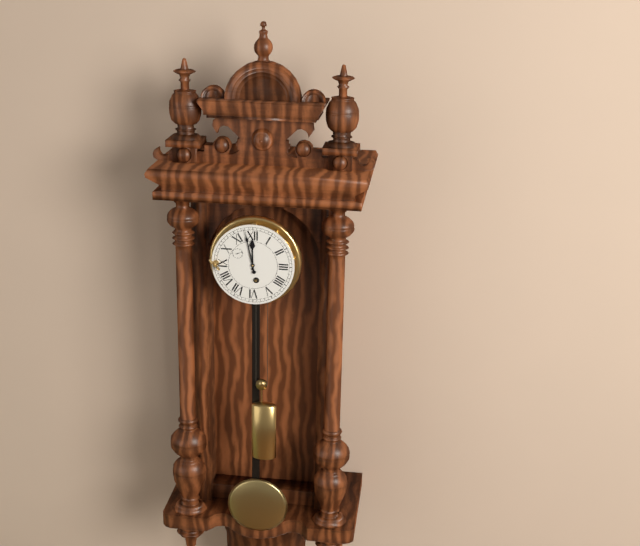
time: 11:58
